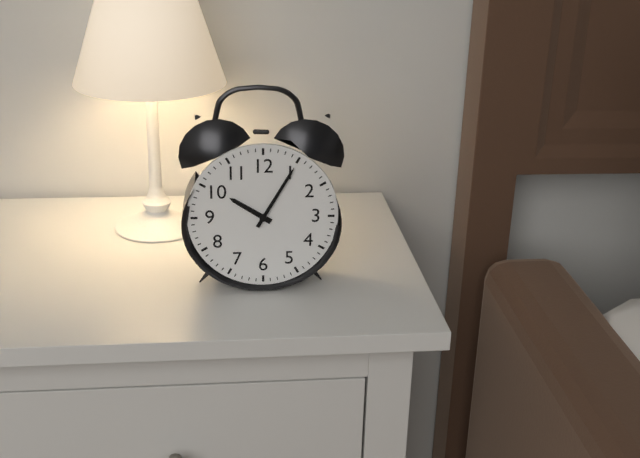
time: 10:05
